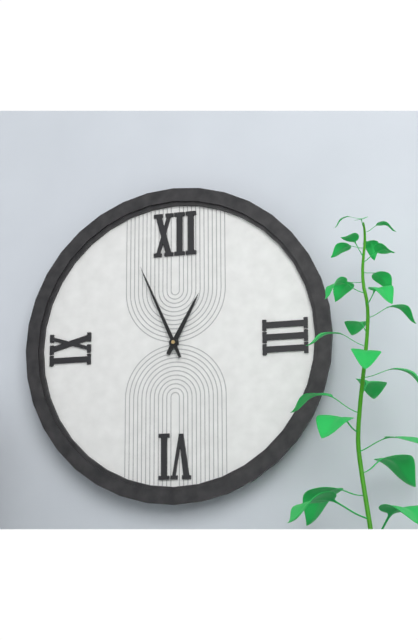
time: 12:56
